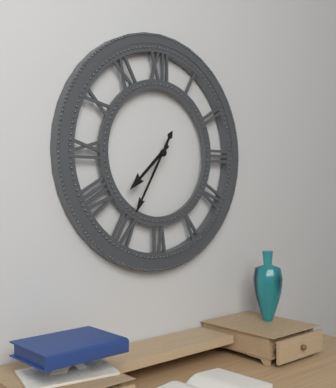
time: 7:35
